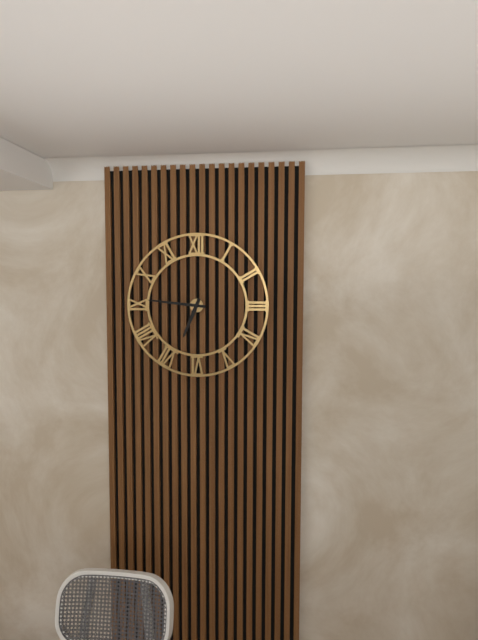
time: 6:46
